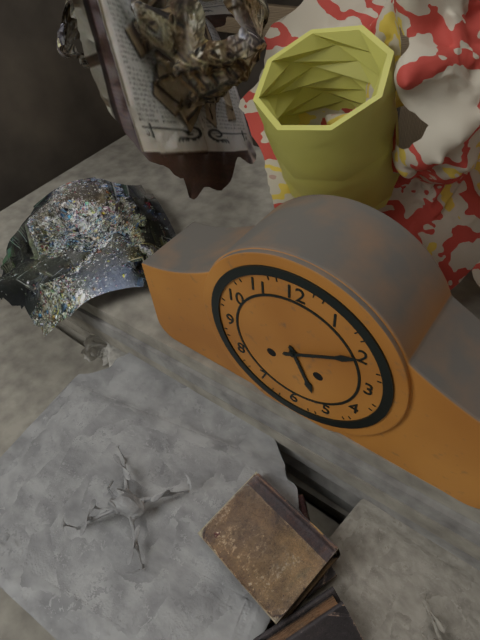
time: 5:10
